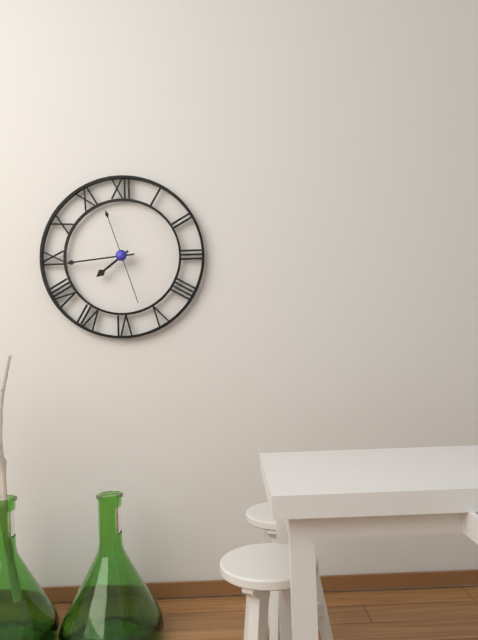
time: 7:44:27
